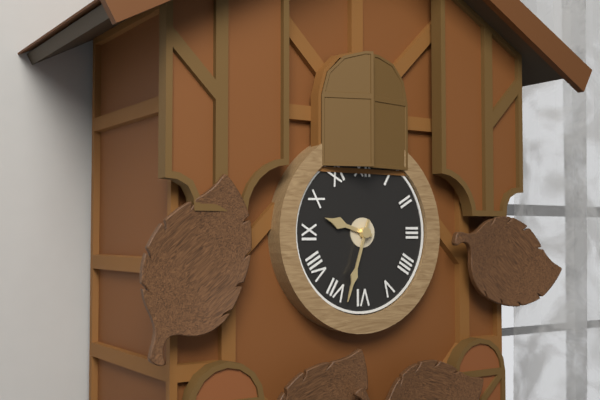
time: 9:33
